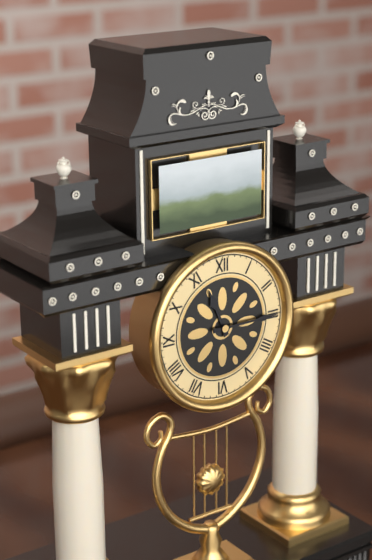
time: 11:15
